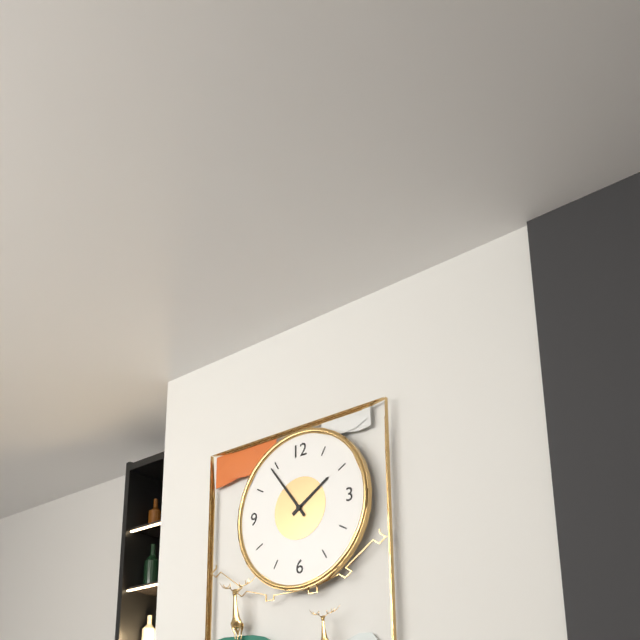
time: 1:54
